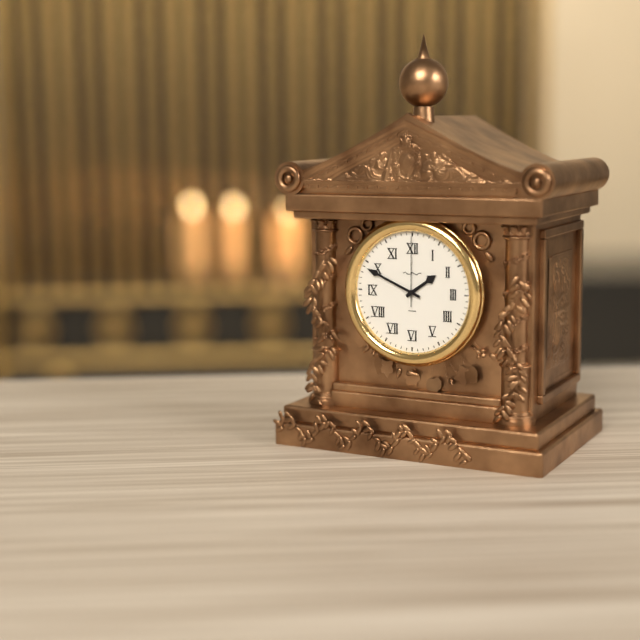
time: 1:49:00
